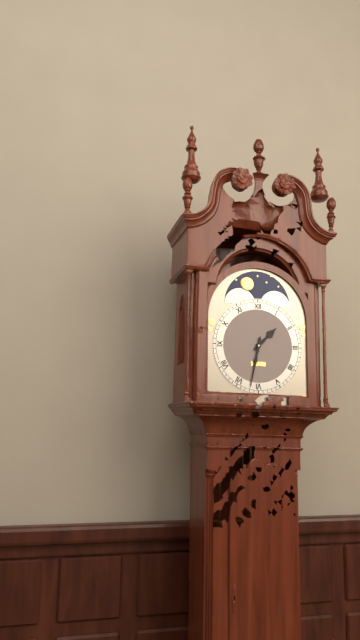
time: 1:32
